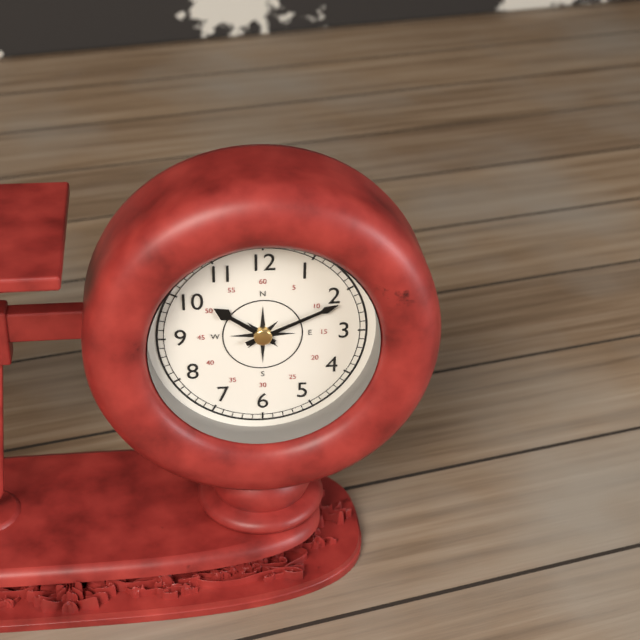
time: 10:11
